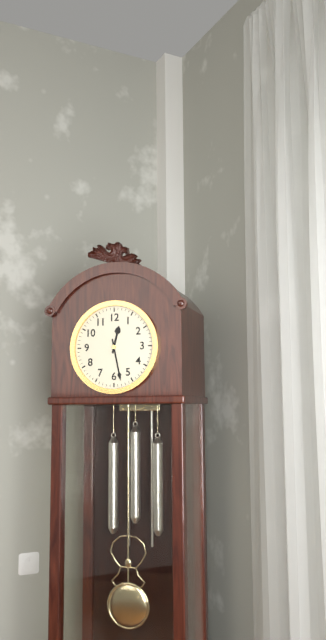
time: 12:28
